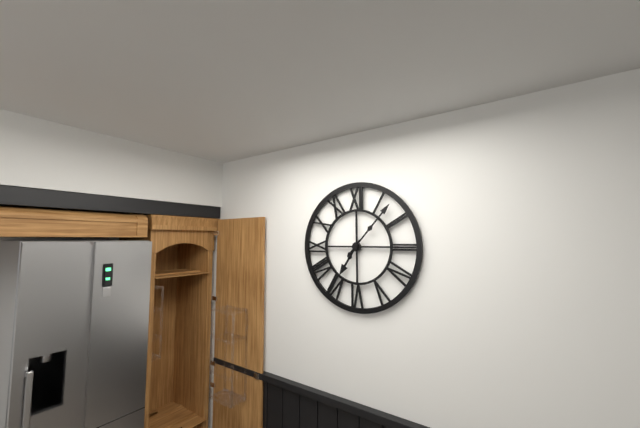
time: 7:07
